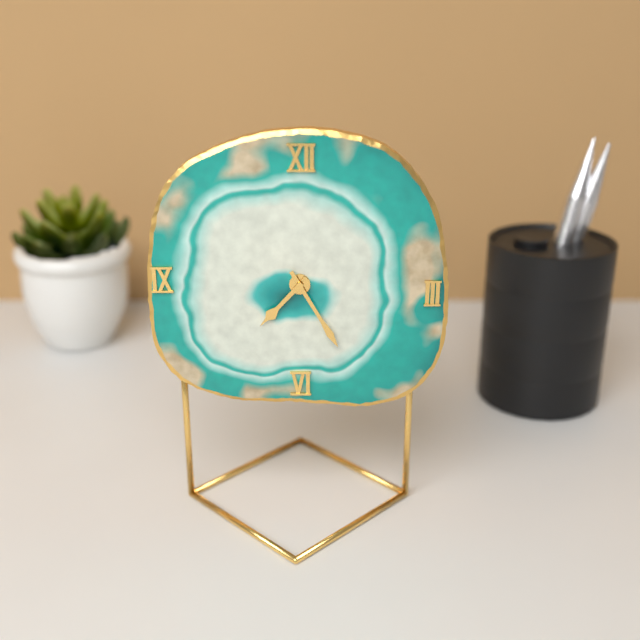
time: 7:25
